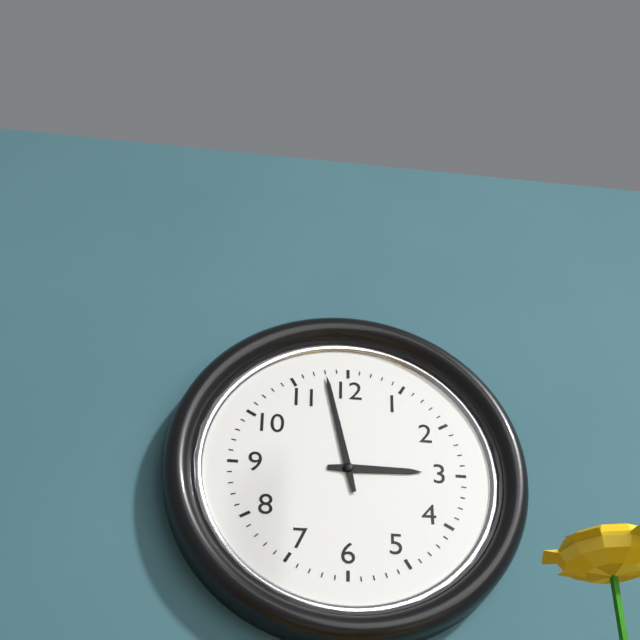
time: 2:58
